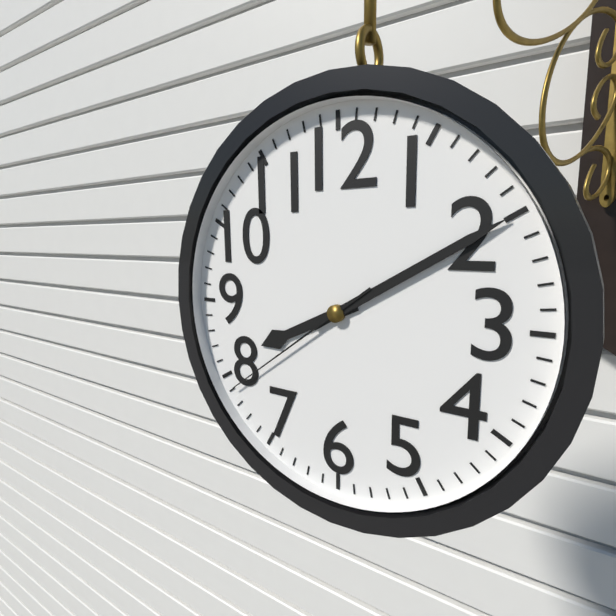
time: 8:10:39
